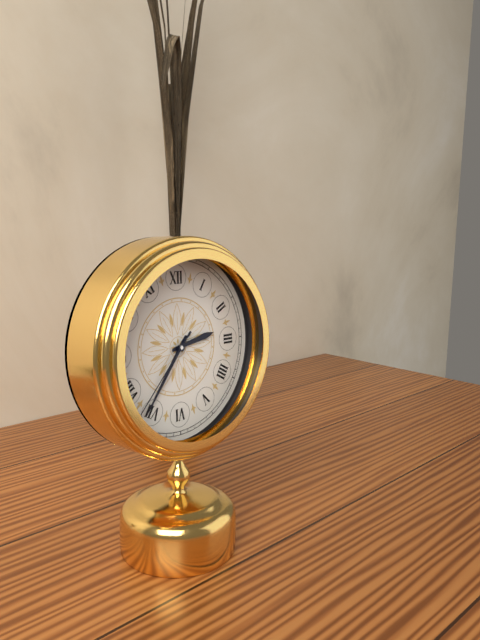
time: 2:36:37
